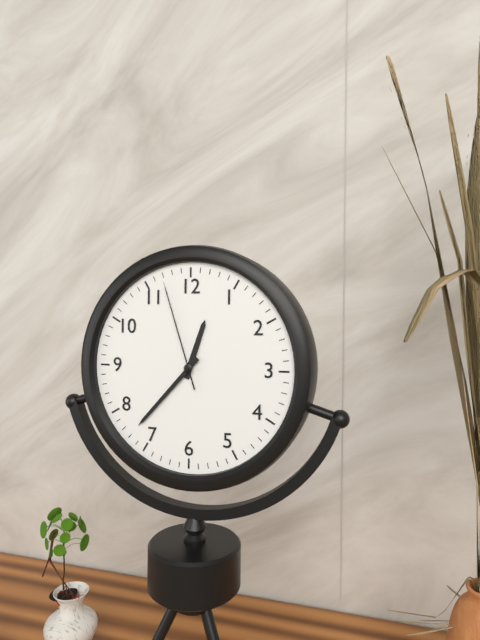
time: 12:37:57
